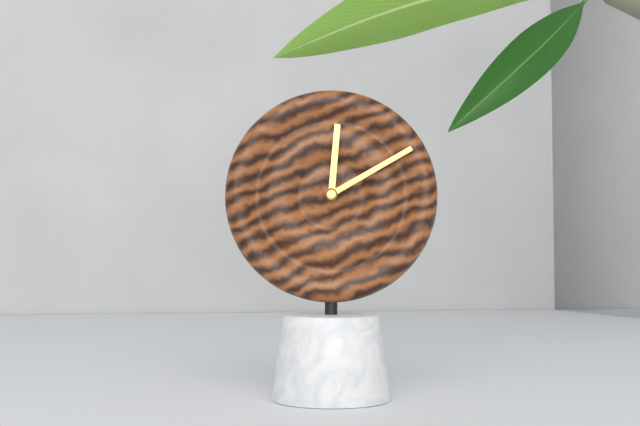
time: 12:10
